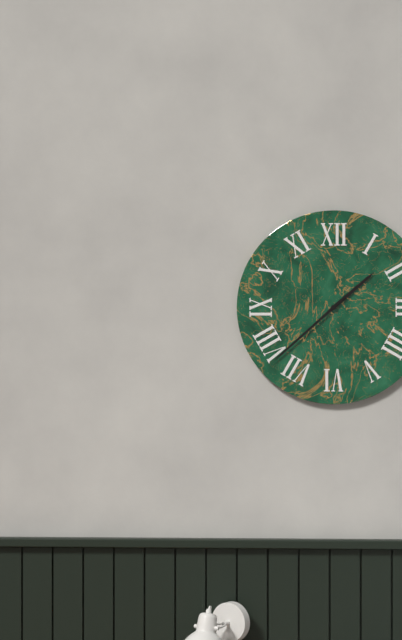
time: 1:38
